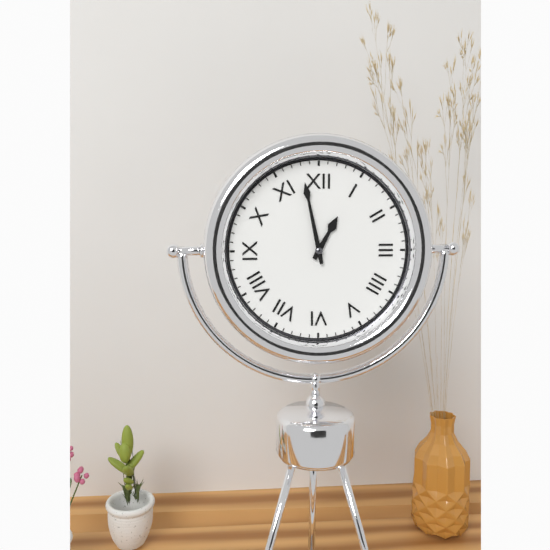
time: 12:58
